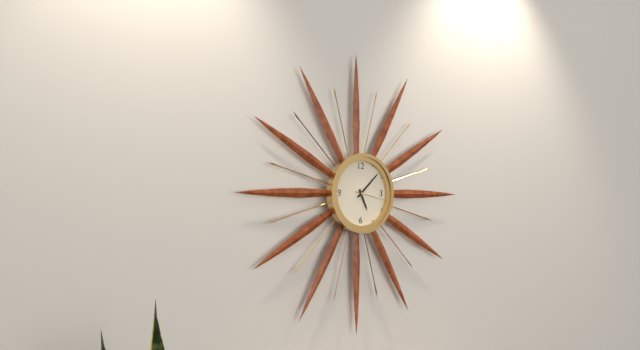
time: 5:08
